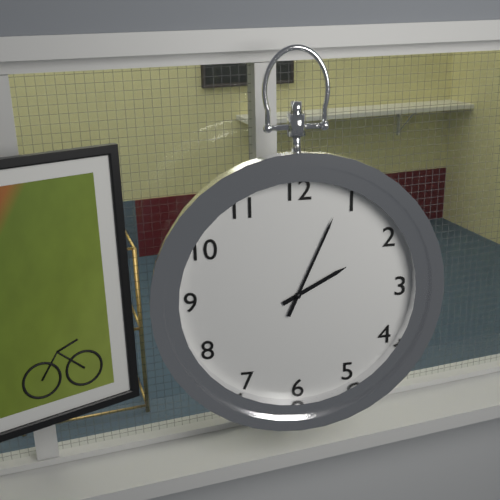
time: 2:04
